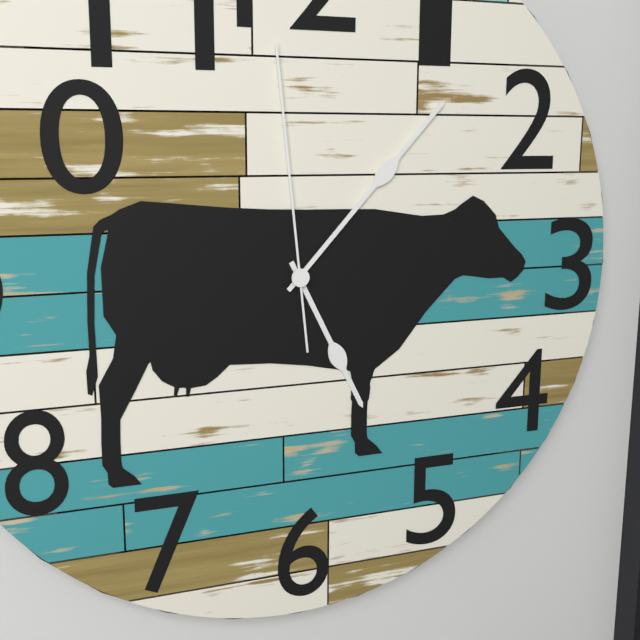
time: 5:07:59
